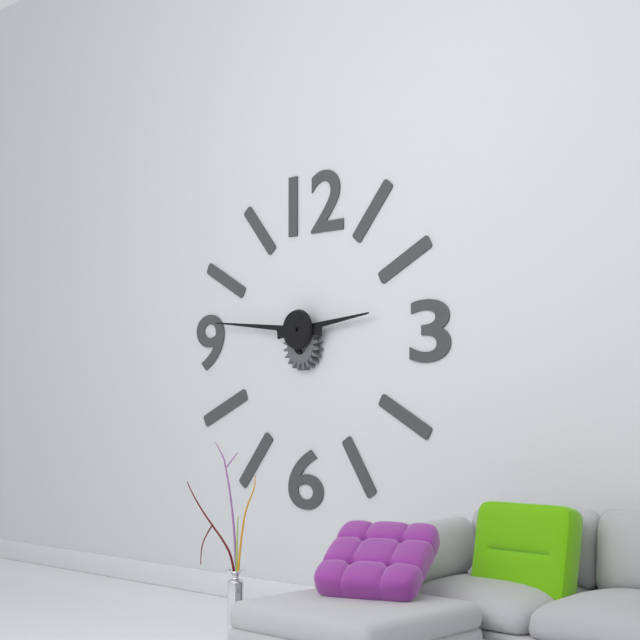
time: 2:46
